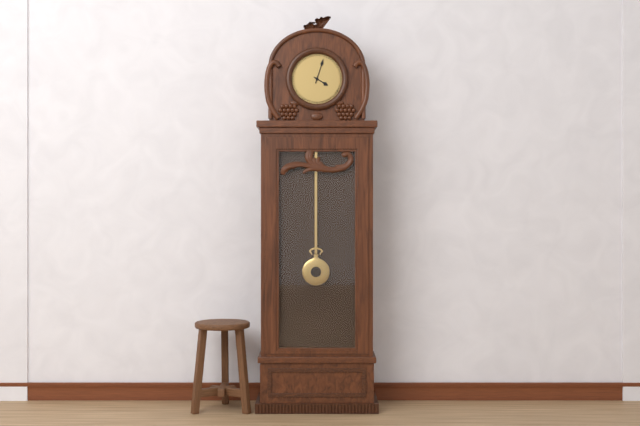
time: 4:03
